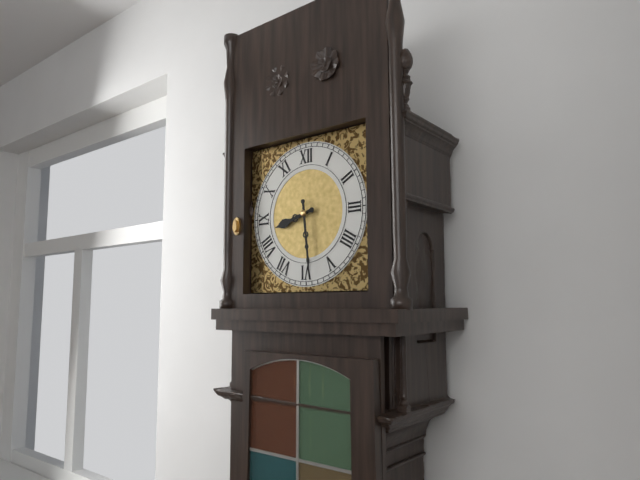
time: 8:29
